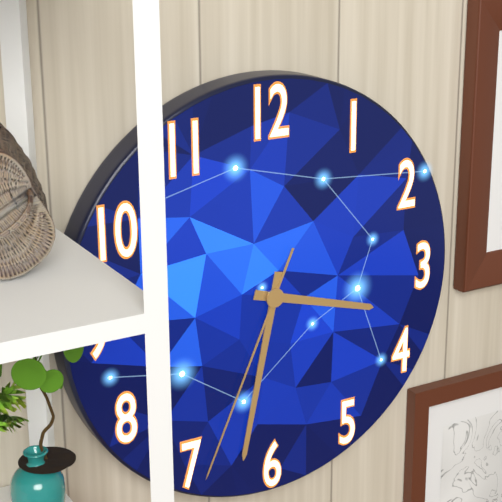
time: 3:32:34
